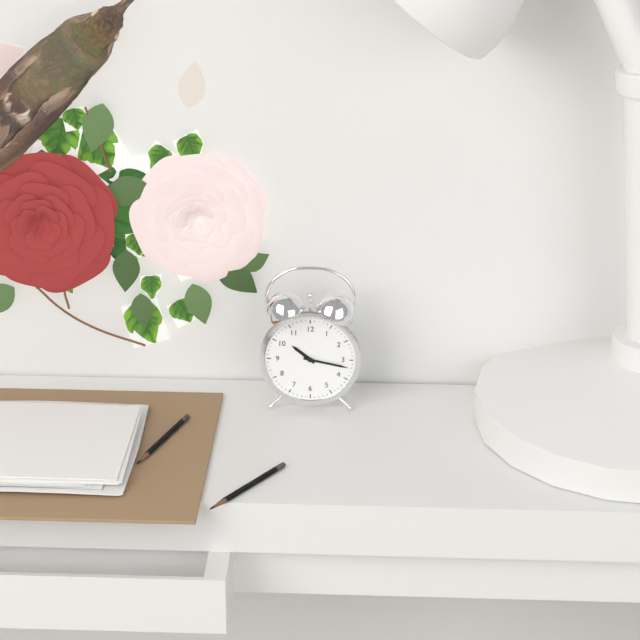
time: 10:17
